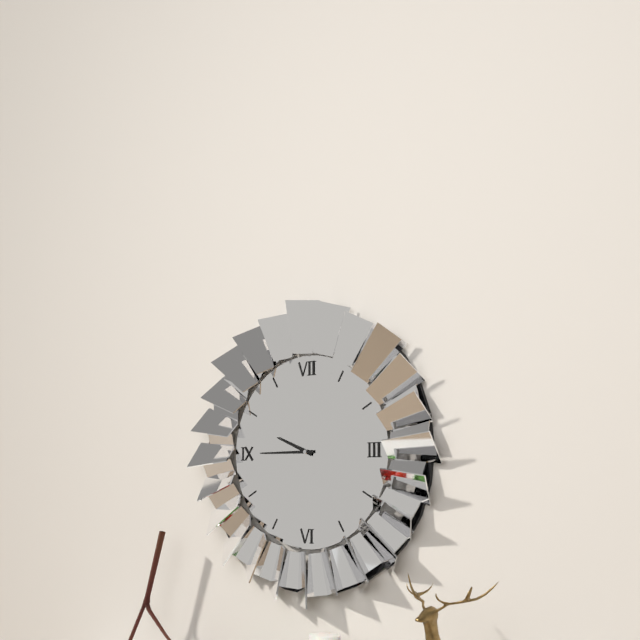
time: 9:45
